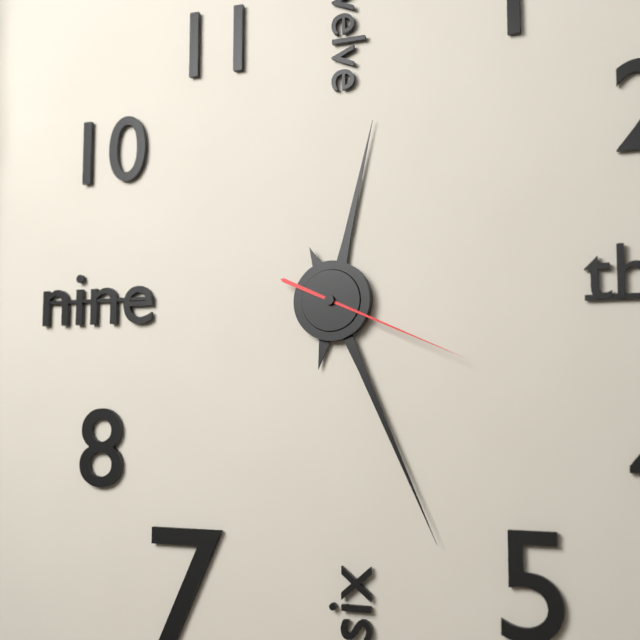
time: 12:26:19
